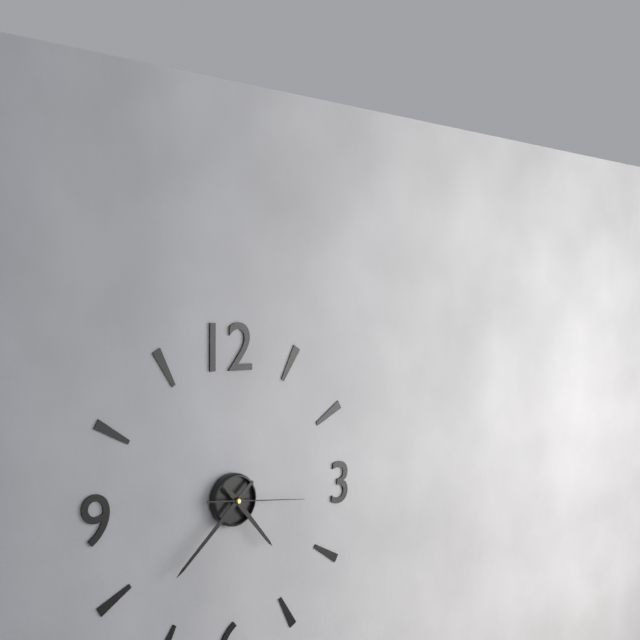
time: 4:38:16
